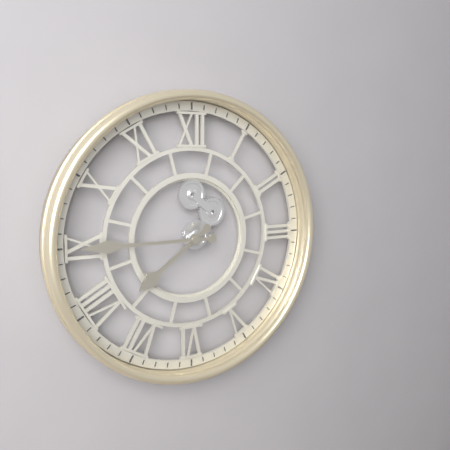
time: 7:45
